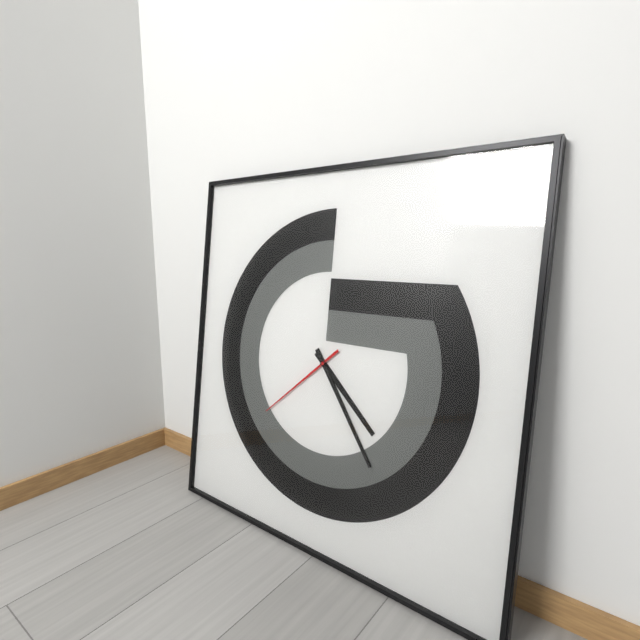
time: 4:24:38
